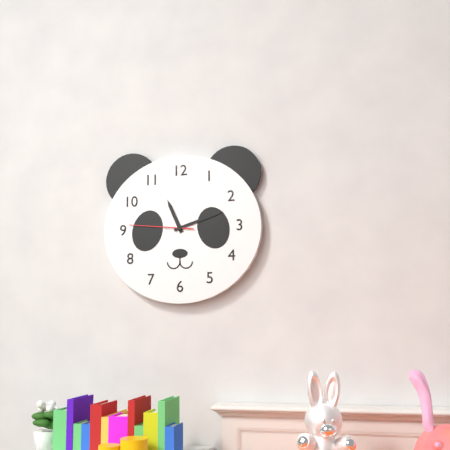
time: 11:12:46
